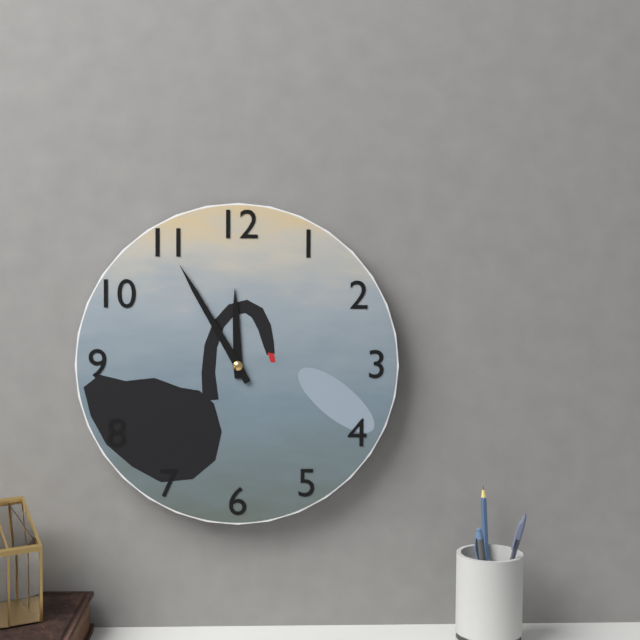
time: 11:55
